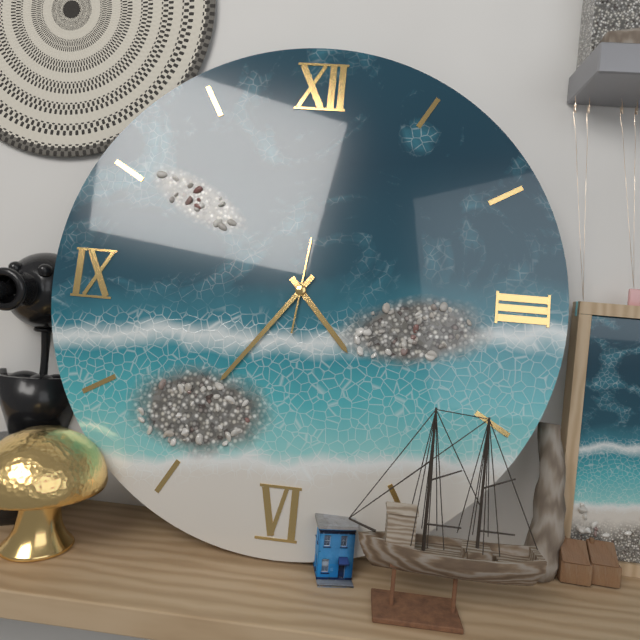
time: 4:36:01
